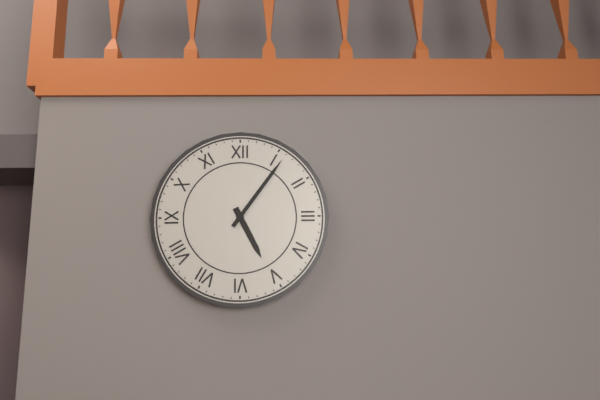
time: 5:06
